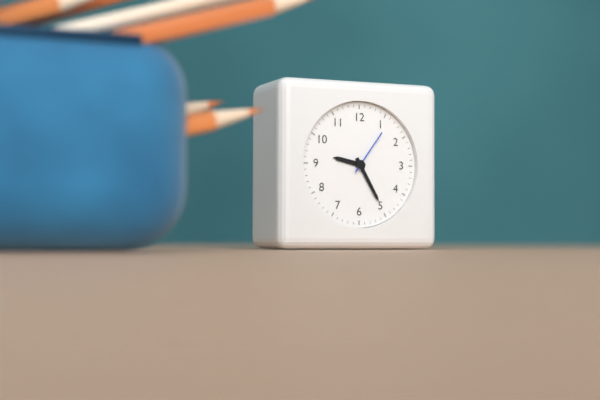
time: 9:25
